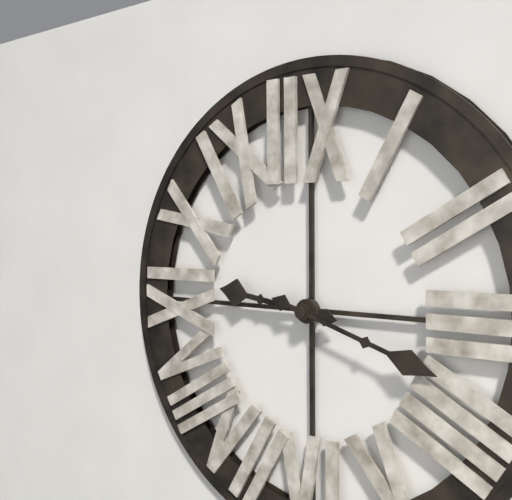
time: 9:18
